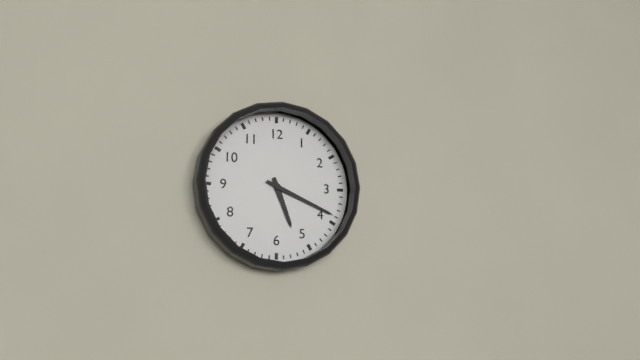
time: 5:19
